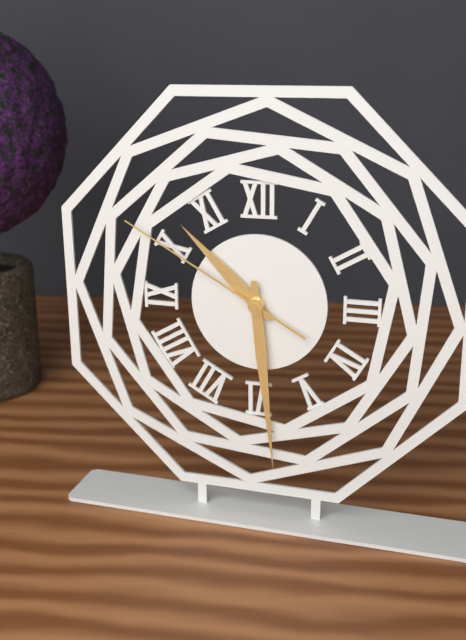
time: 10:29:50
